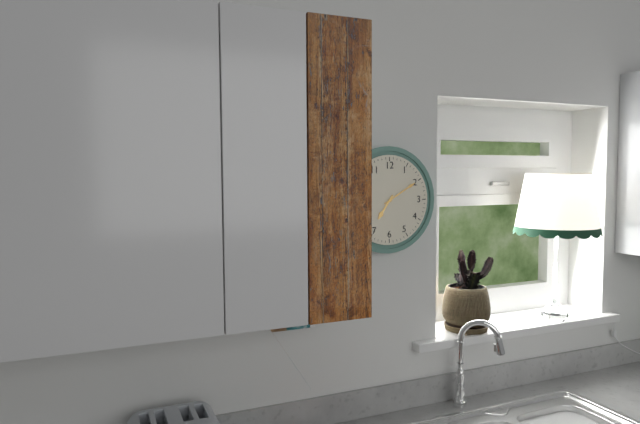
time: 7:10
